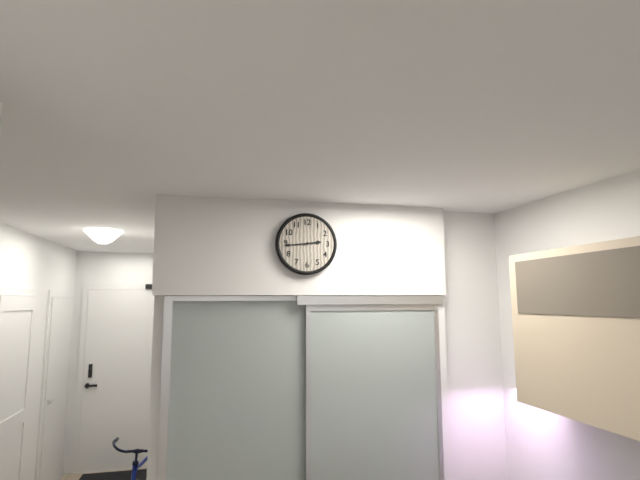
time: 2:44
